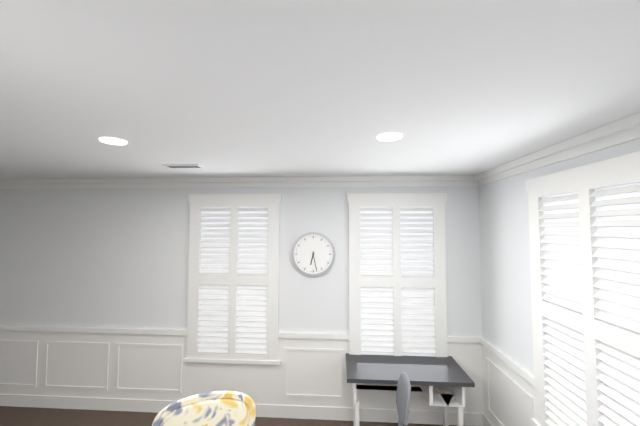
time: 6:28
